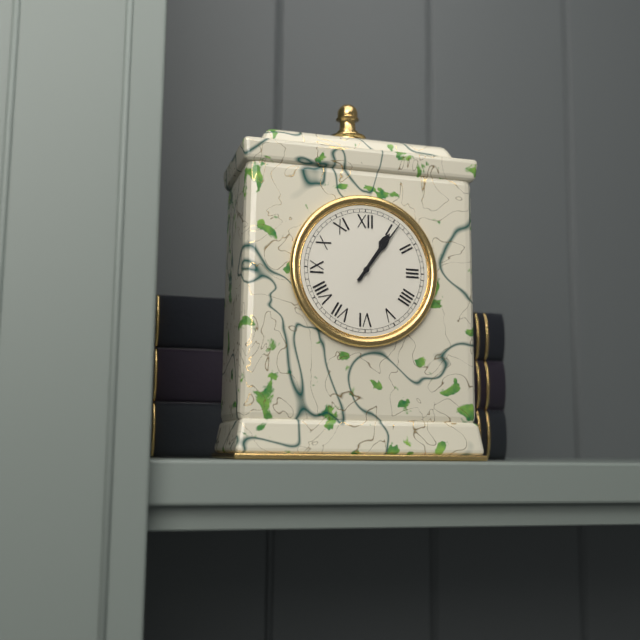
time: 1:06
